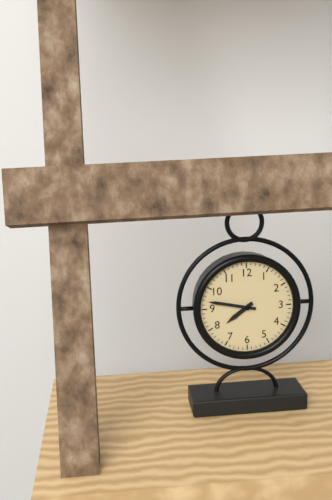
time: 7:47
